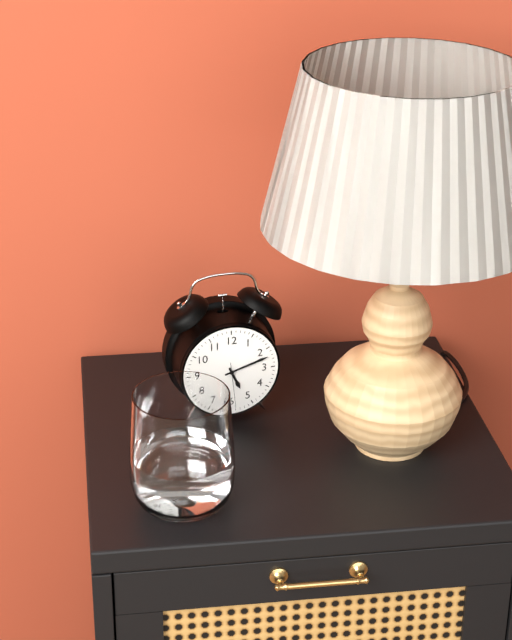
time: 5:12
